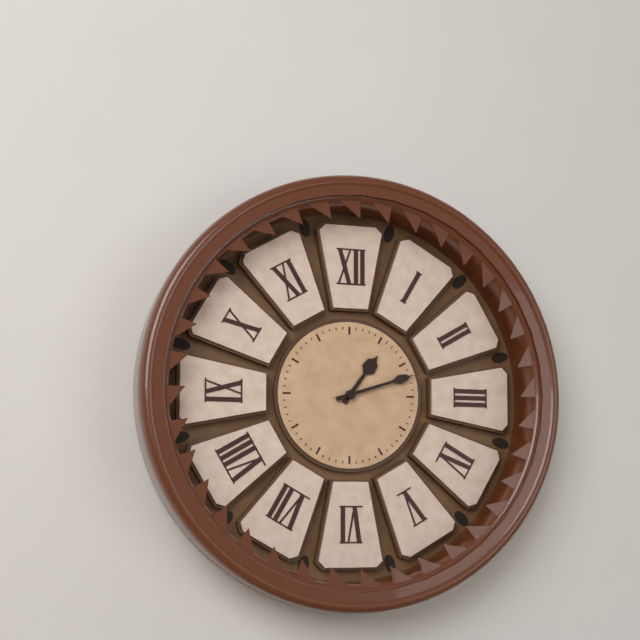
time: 1:12
